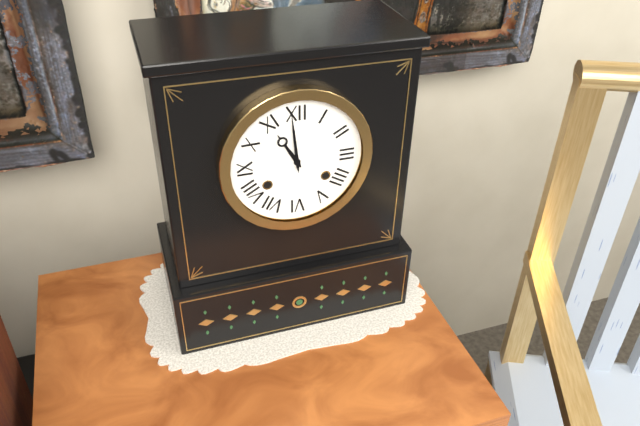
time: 10:59
